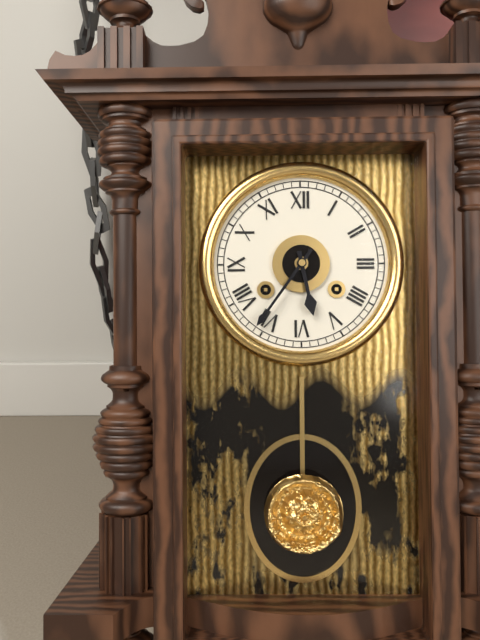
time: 5:36
